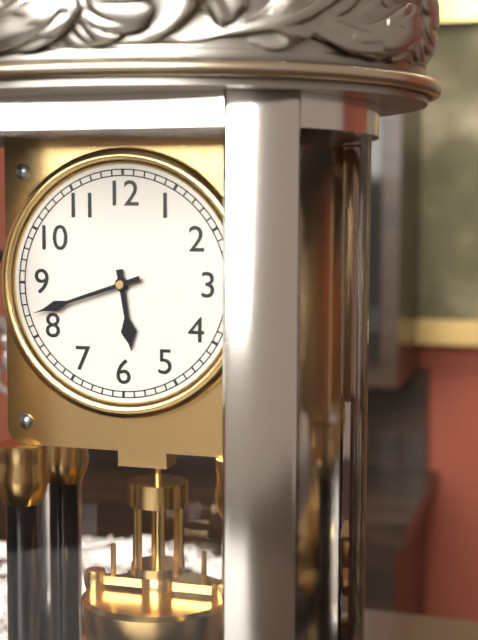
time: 5:42
